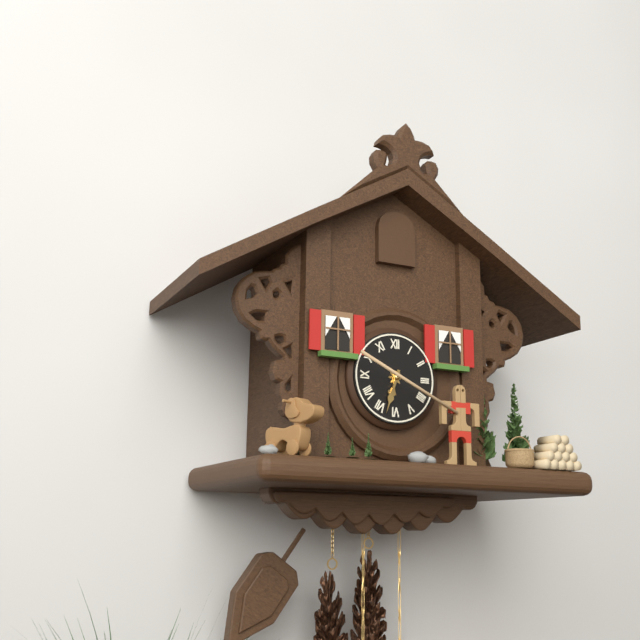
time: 6:33
